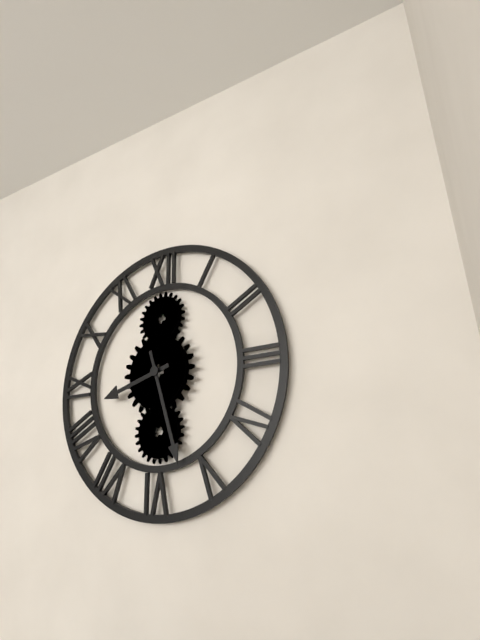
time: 8:27
